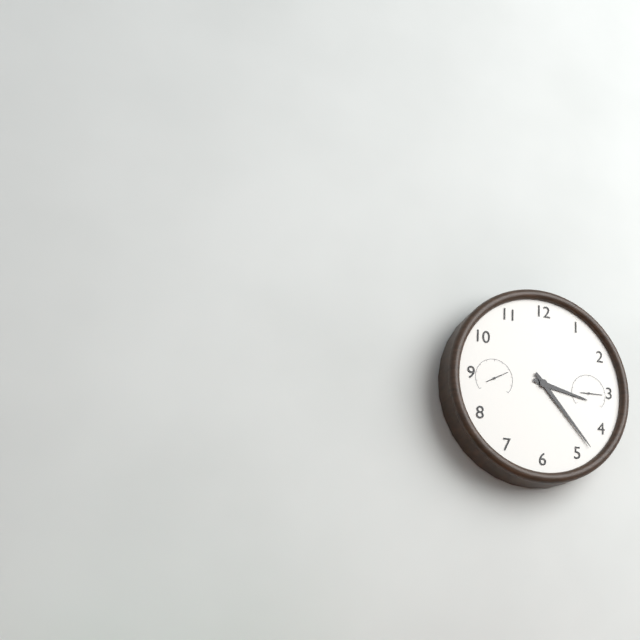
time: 3:23
